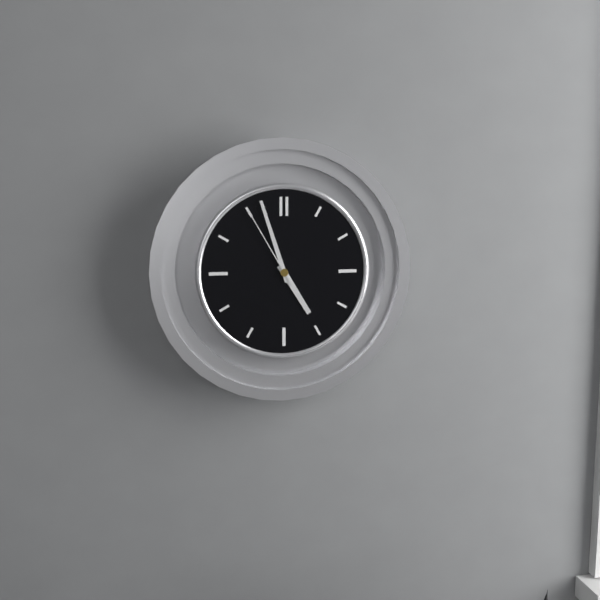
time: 4:57:55
